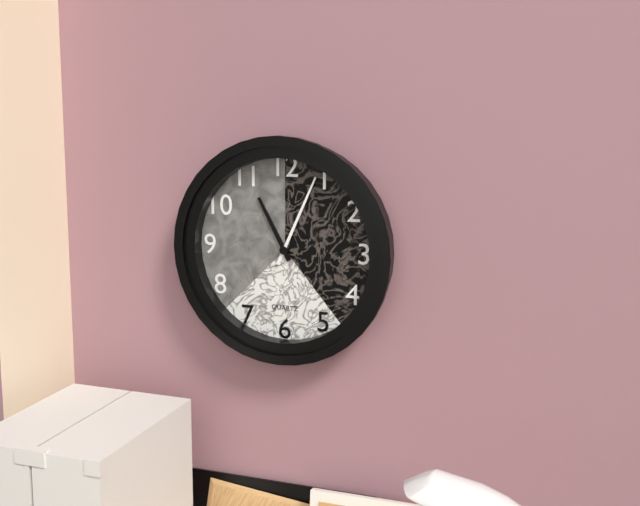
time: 11:04
